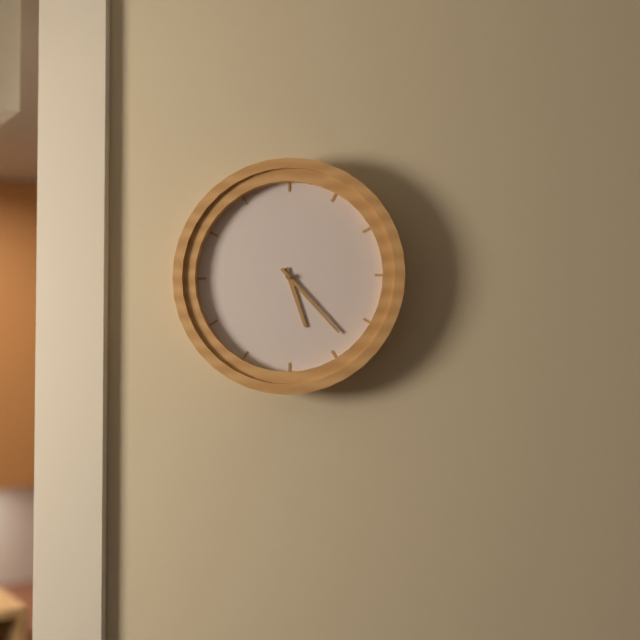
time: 5:23
